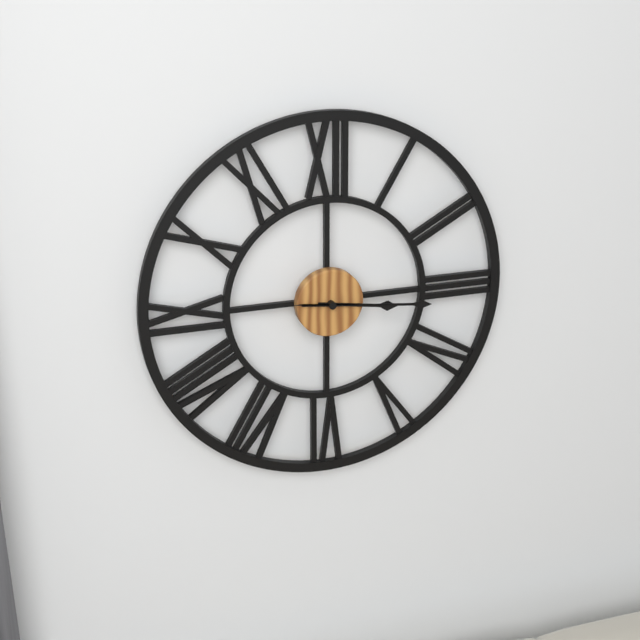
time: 3:16
